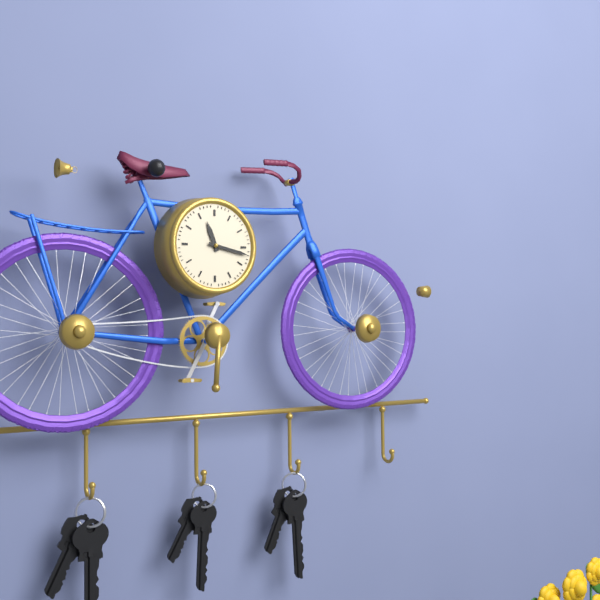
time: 11:17
